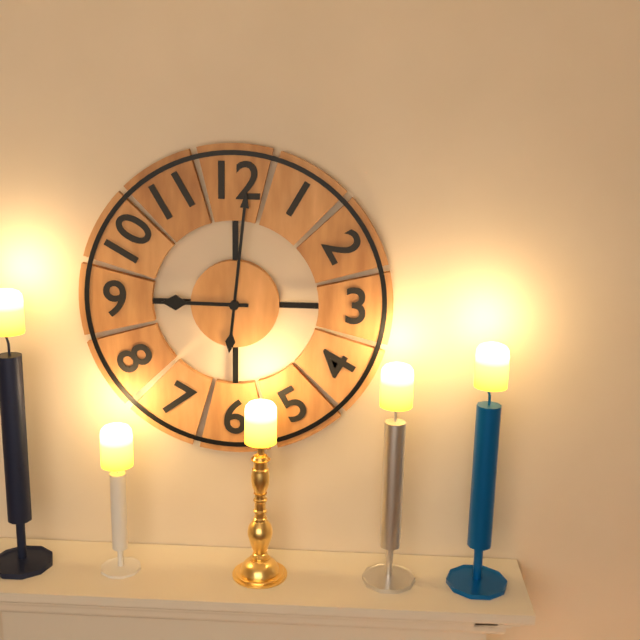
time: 9:01
